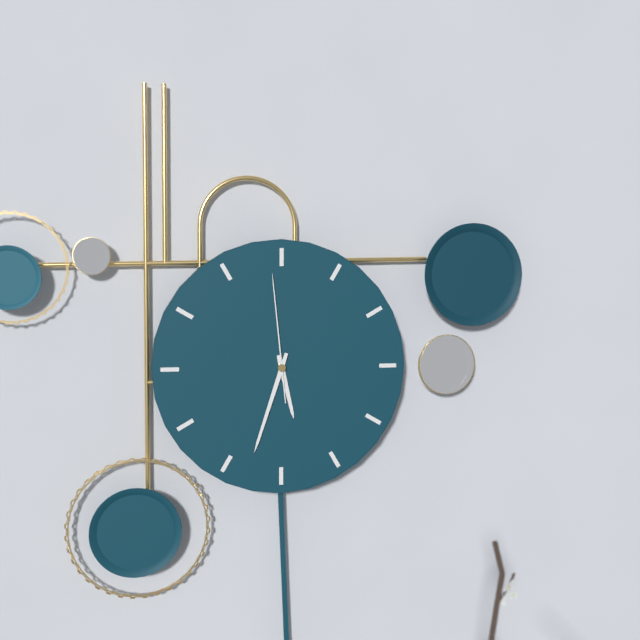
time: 5:33:59
